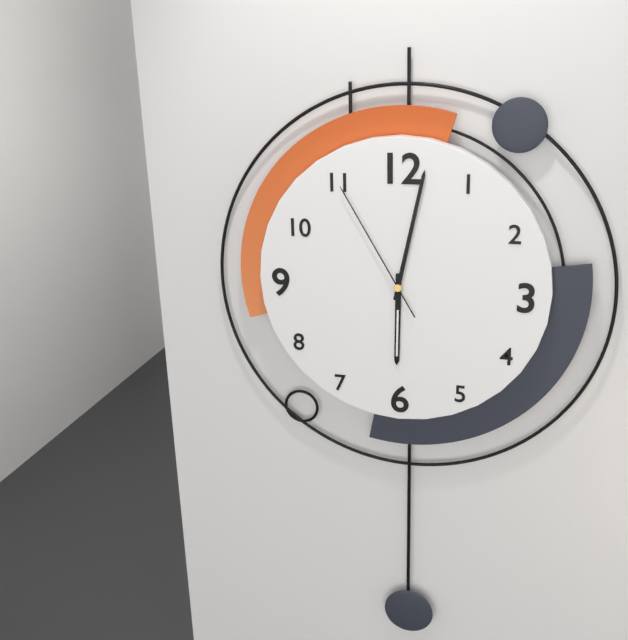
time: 6:02:55
